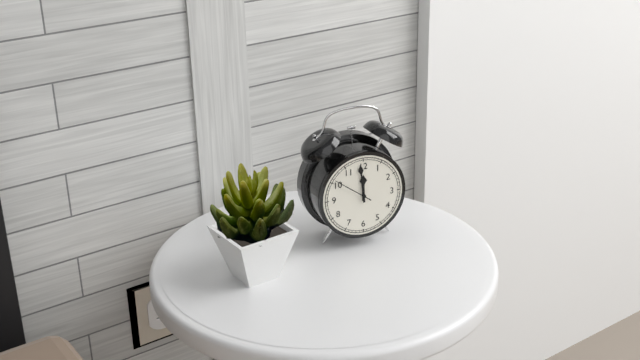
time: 11:59
